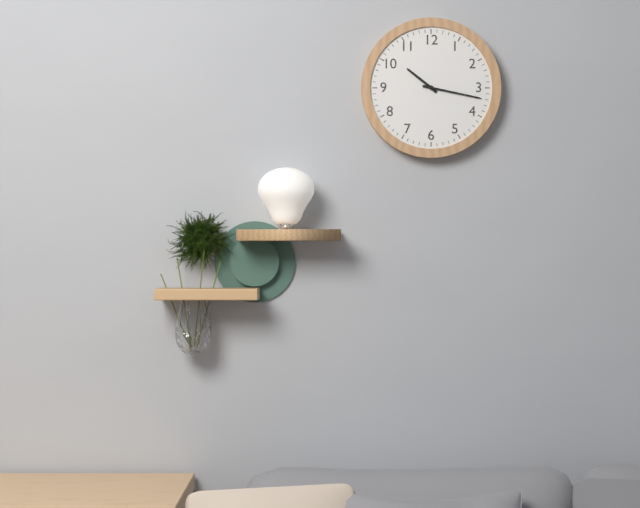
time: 10:17
